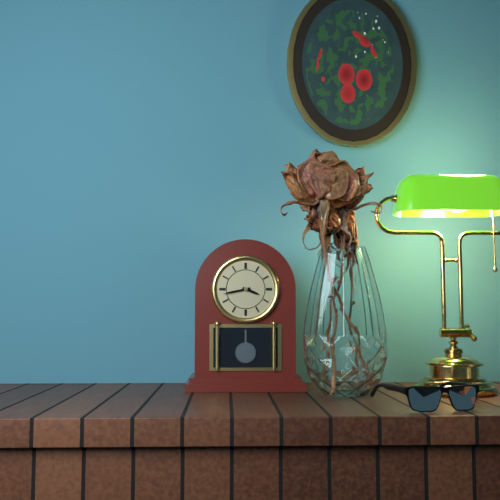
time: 3:43
